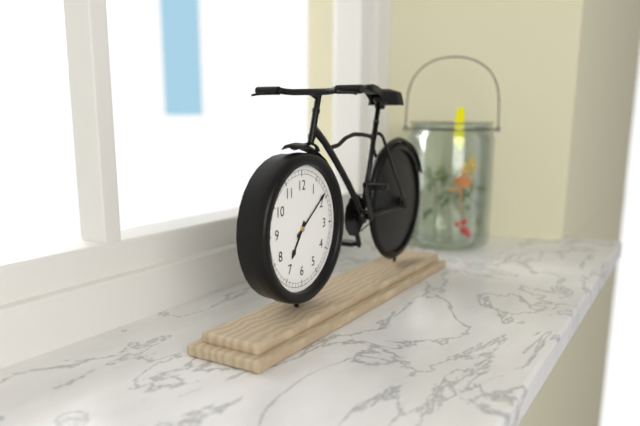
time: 7:09
